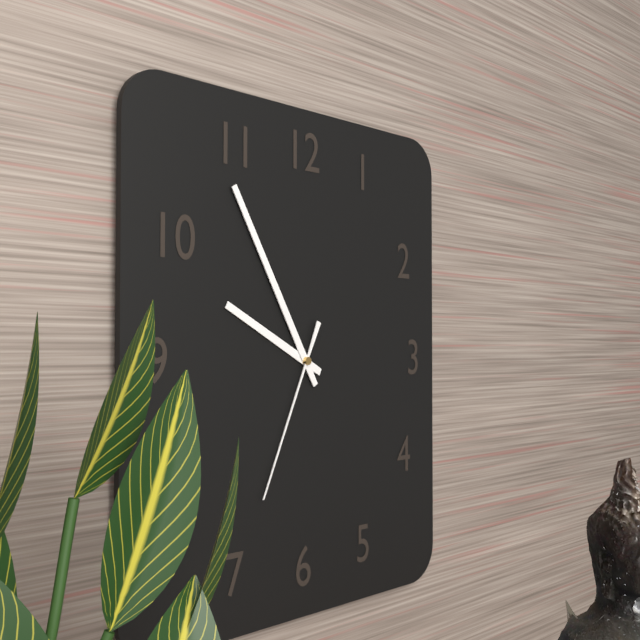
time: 9:55:34
